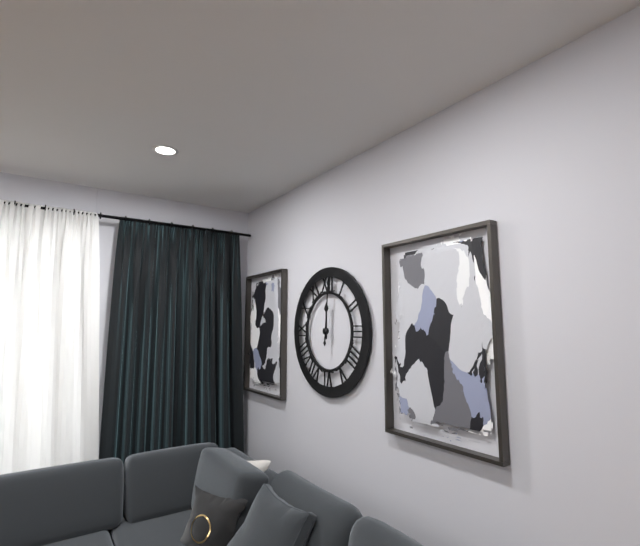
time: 12:01
